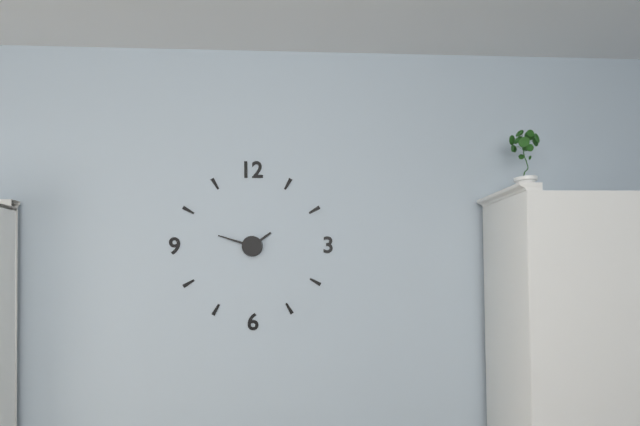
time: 1:48
